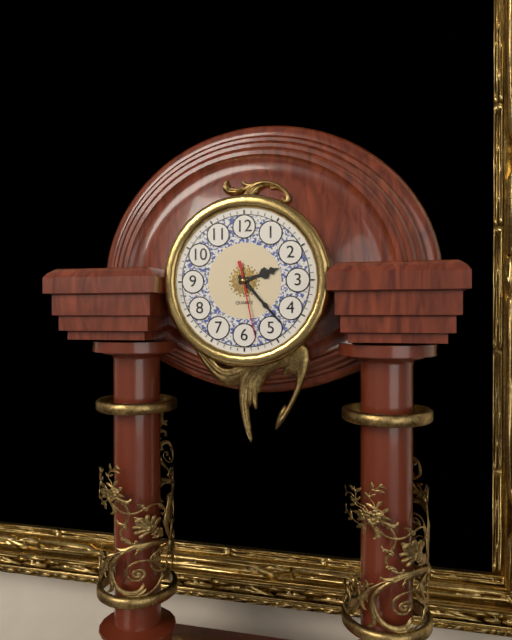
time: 2:23:28
